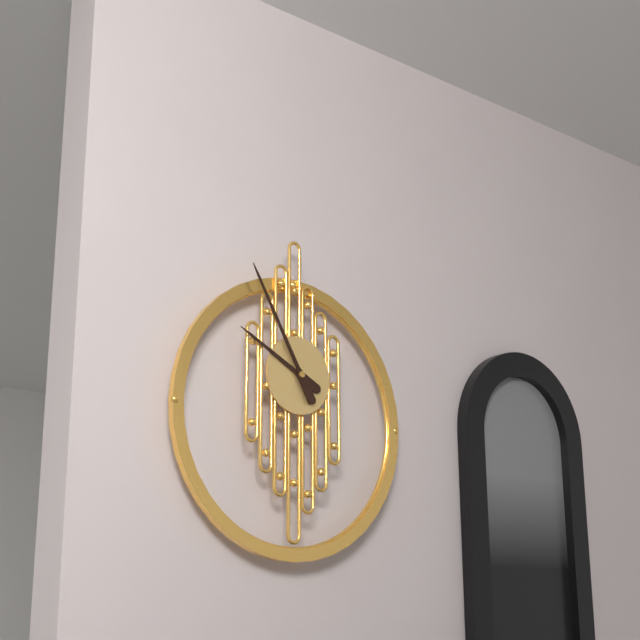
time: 9:55
